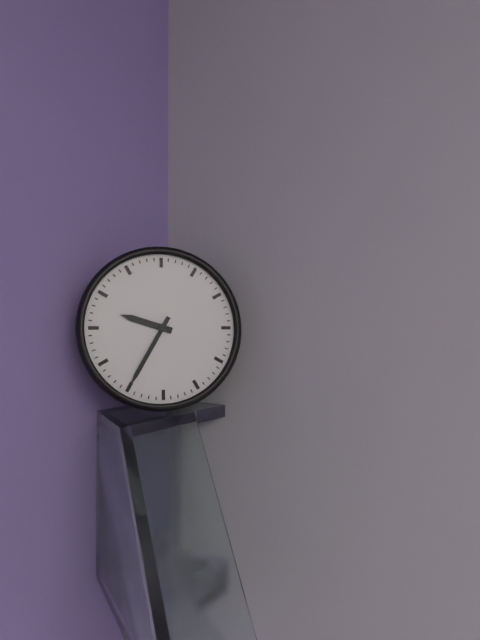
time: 9:35
